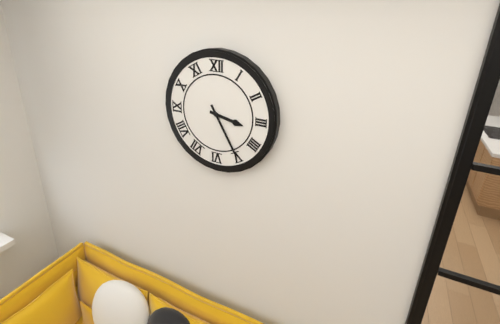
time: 3:25
